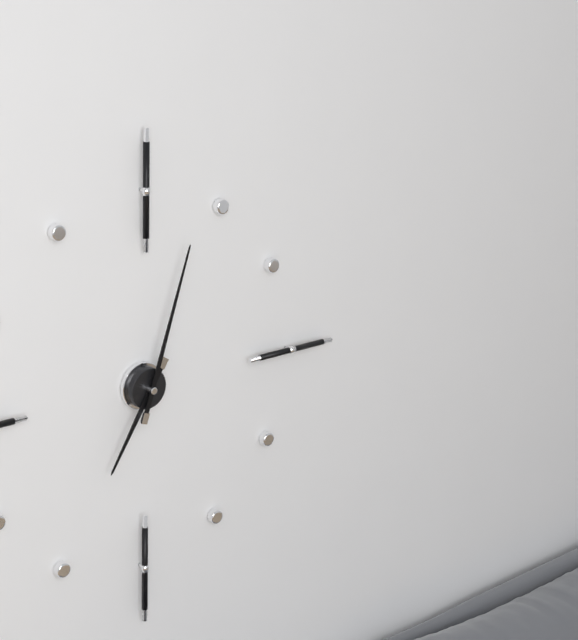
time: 7:03
